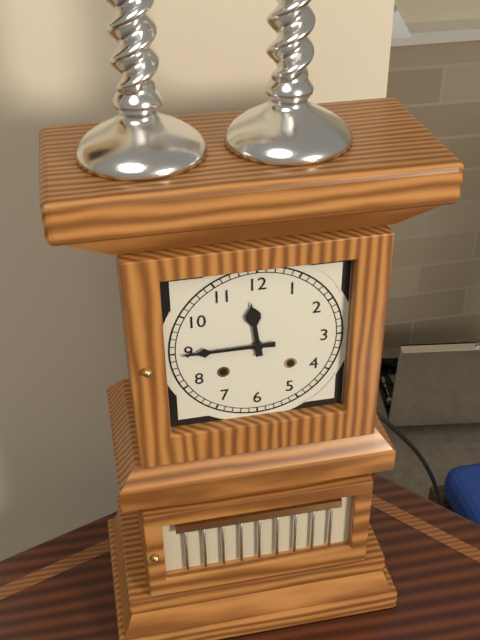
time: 11:45
